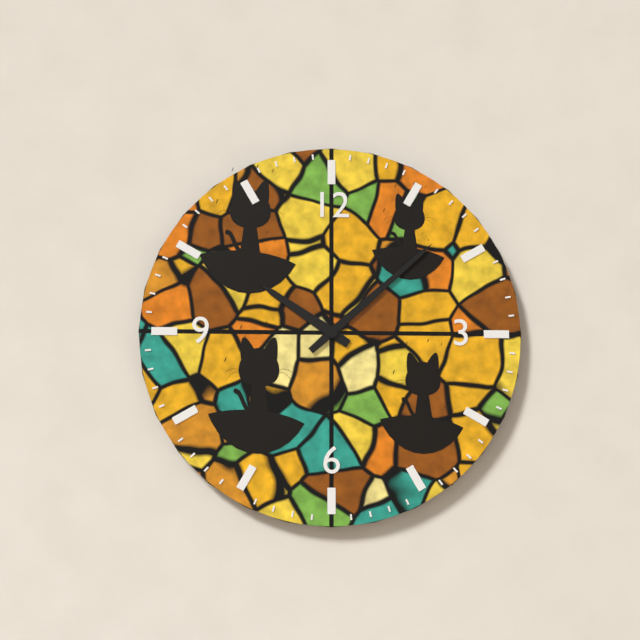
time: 10:08
